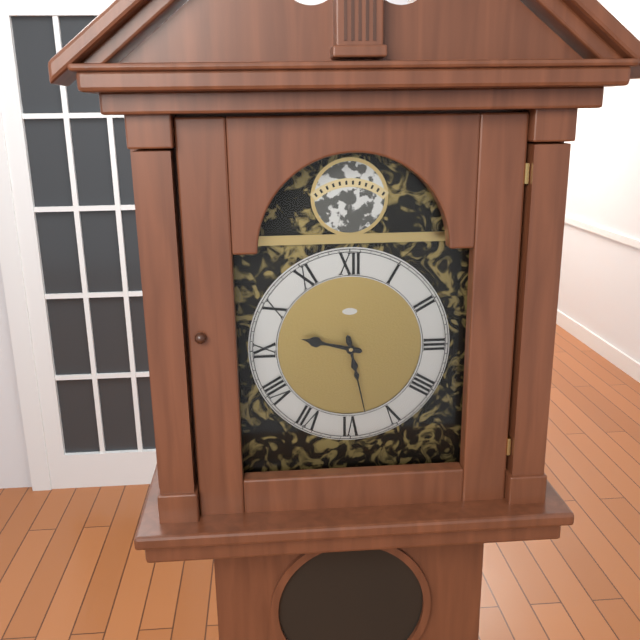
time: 9:28
